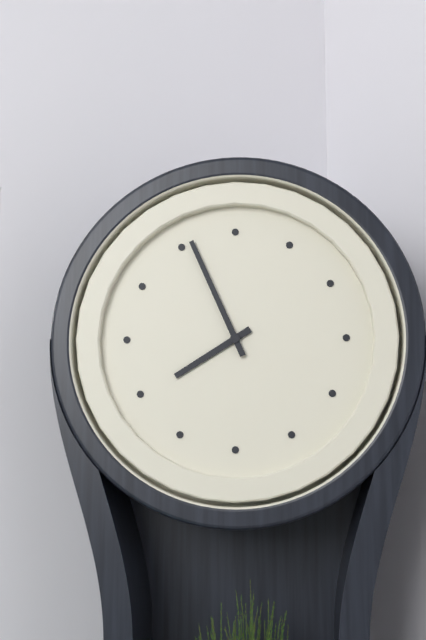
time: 7:56
